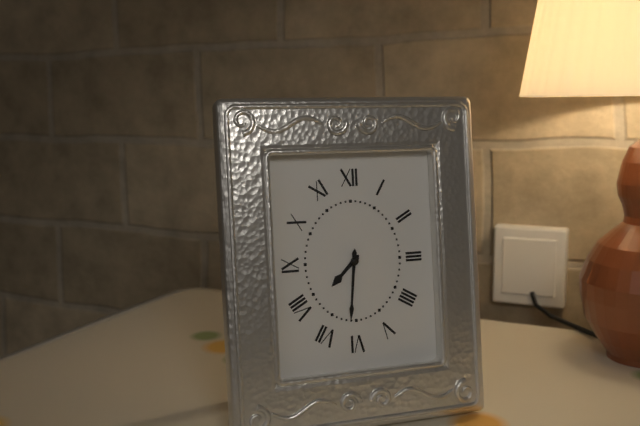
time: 7:31
